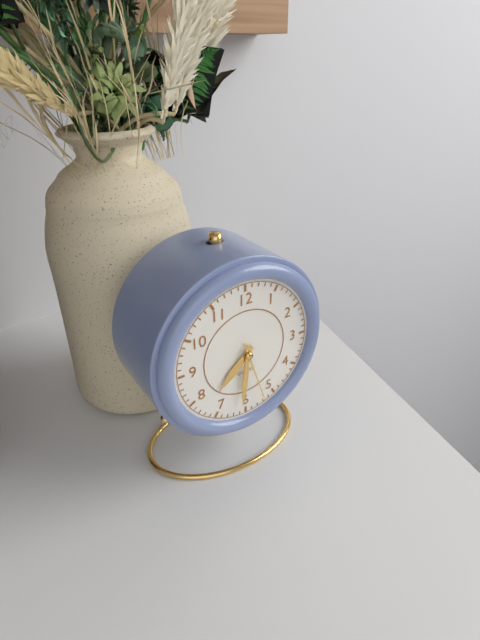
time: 7:31:27
